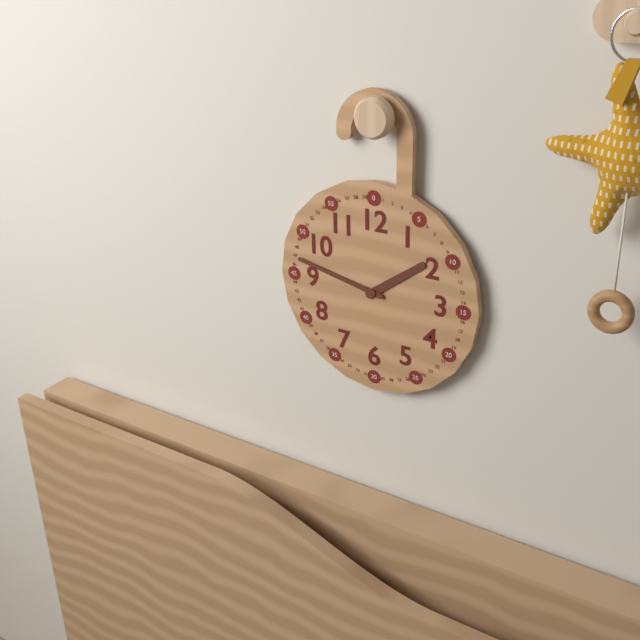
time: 1:47
